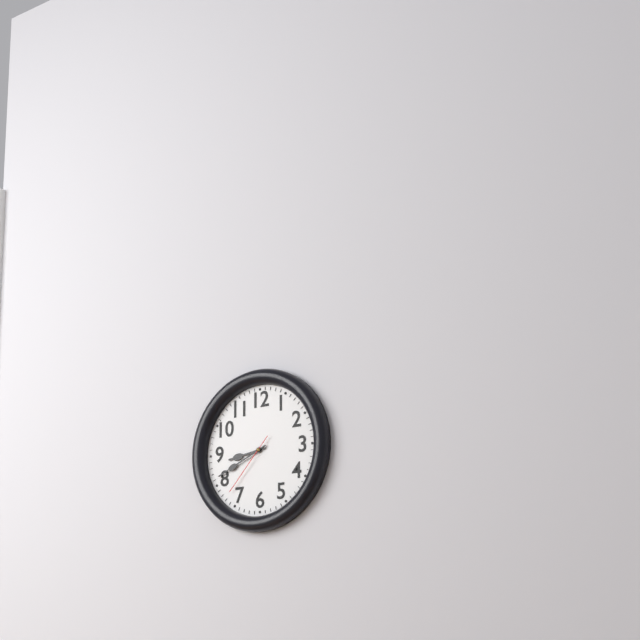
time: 8:41:37
